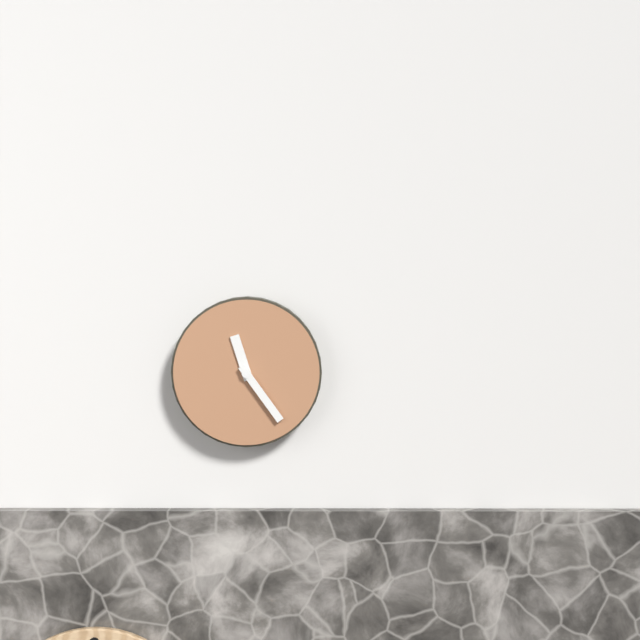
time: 11:24
